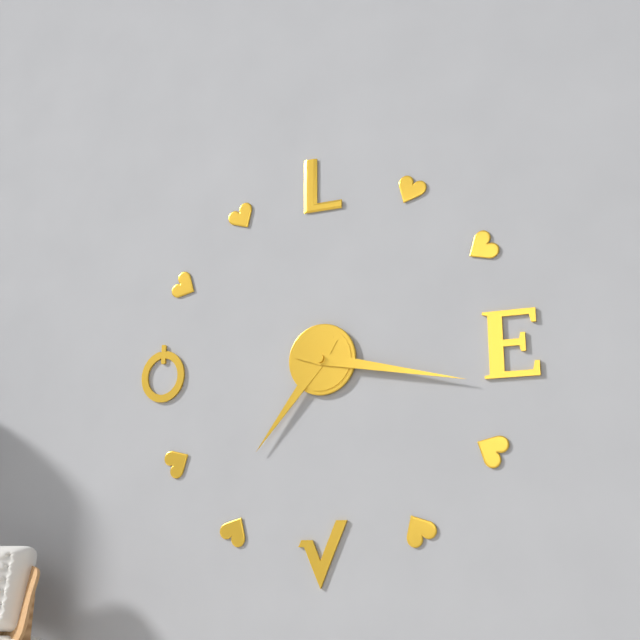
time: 7:17
